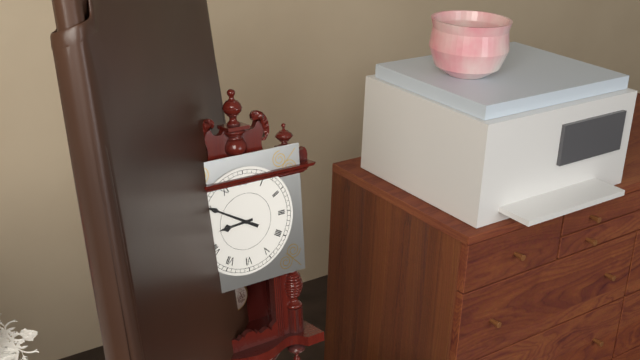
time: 8:50
